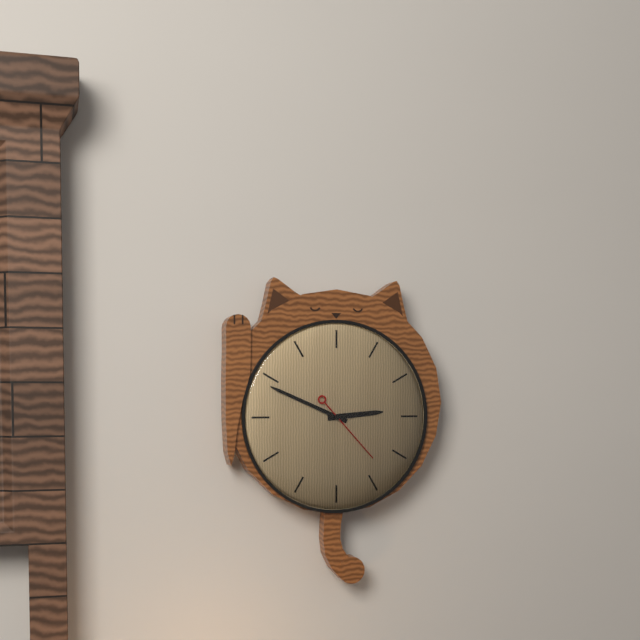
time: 2:49:23
